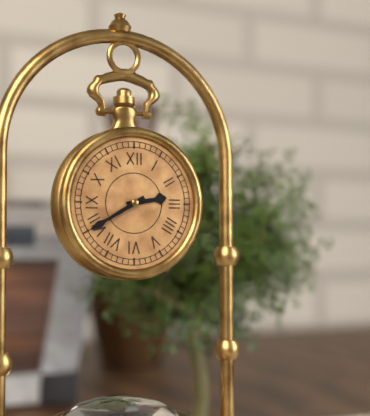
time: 2:40
